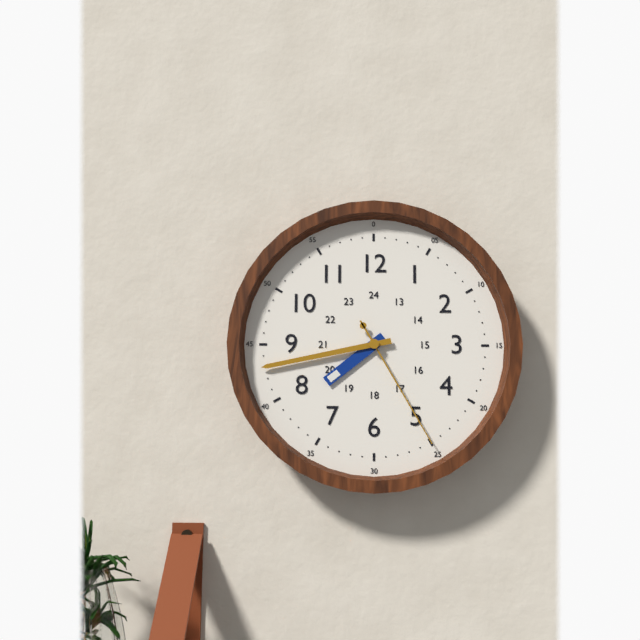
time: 7:43:25
